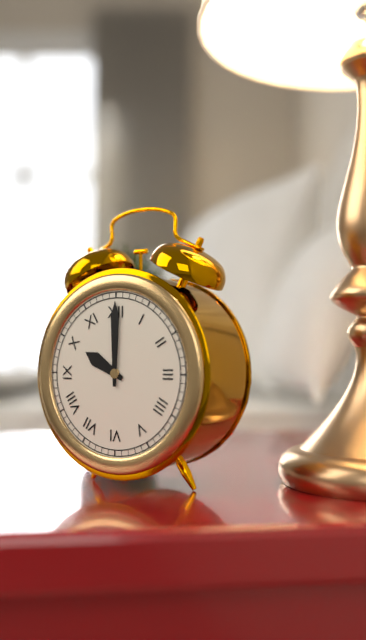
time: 10:00
